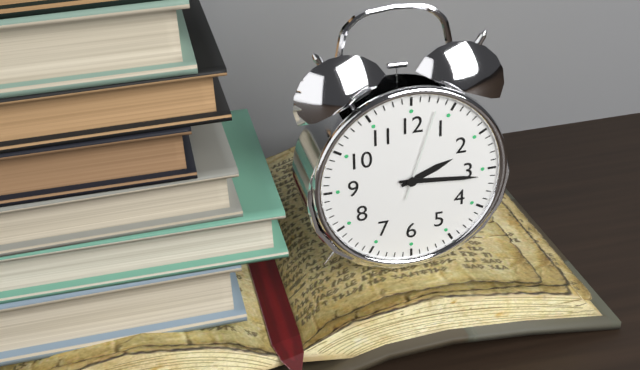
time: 2:16:03
